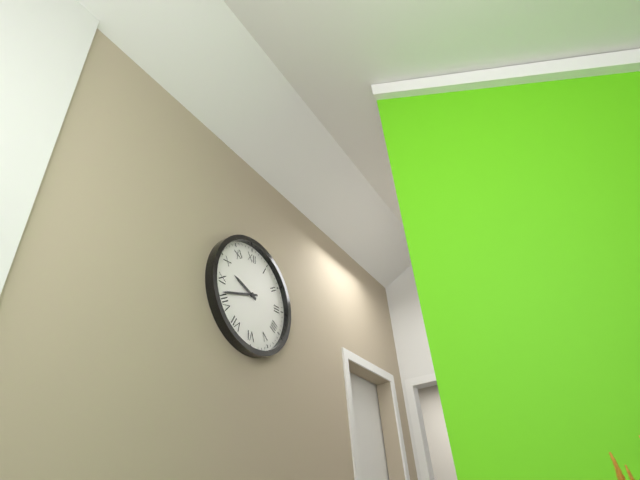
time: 9:42
